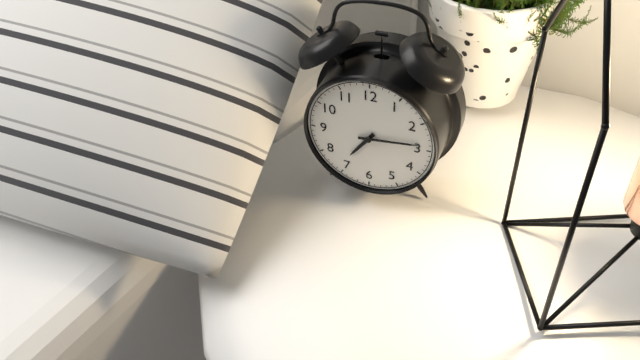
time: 7:14
